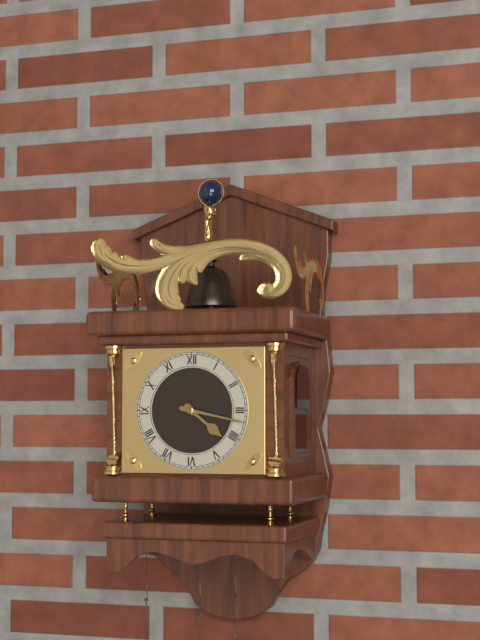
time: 4:17
